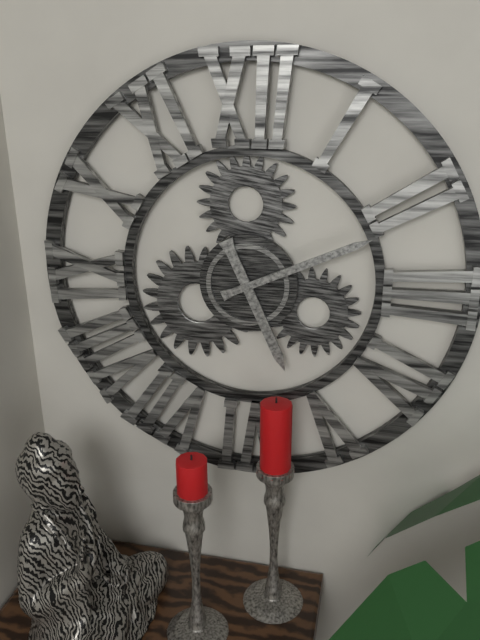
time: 5:11
